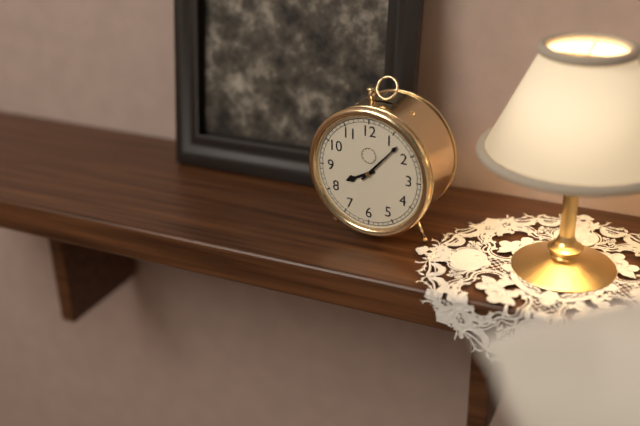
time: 8:07
